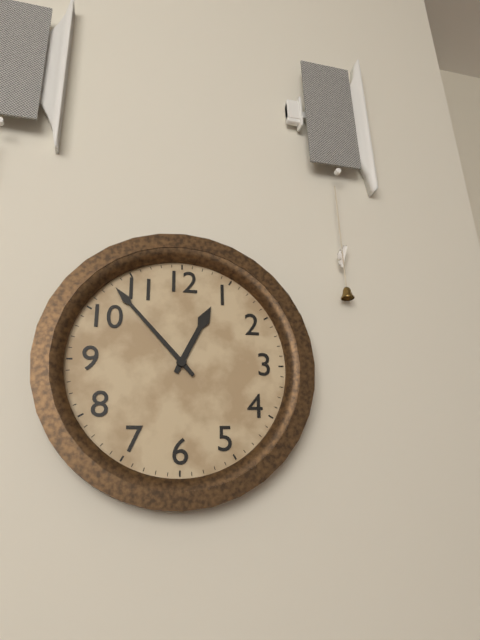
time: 12:53
